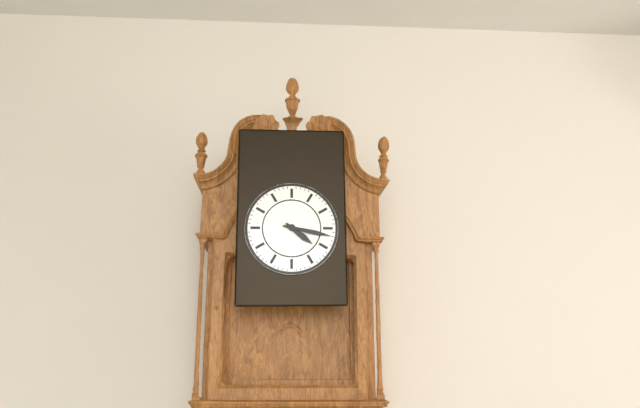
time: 4:17
